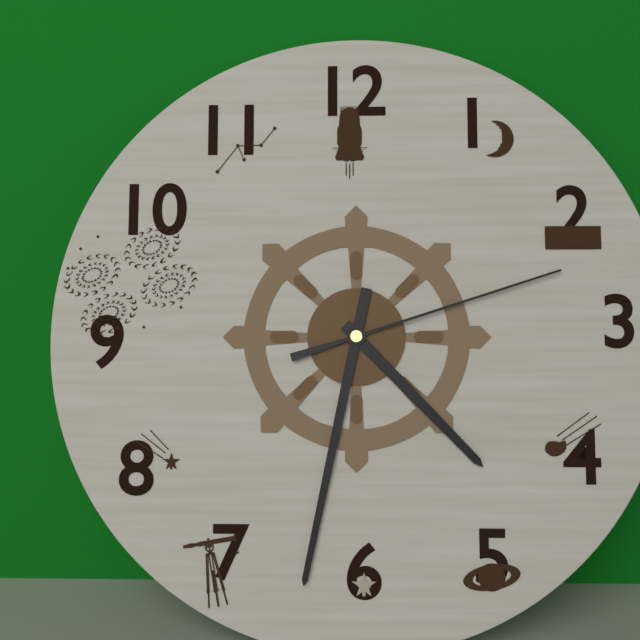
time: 4:32:12
